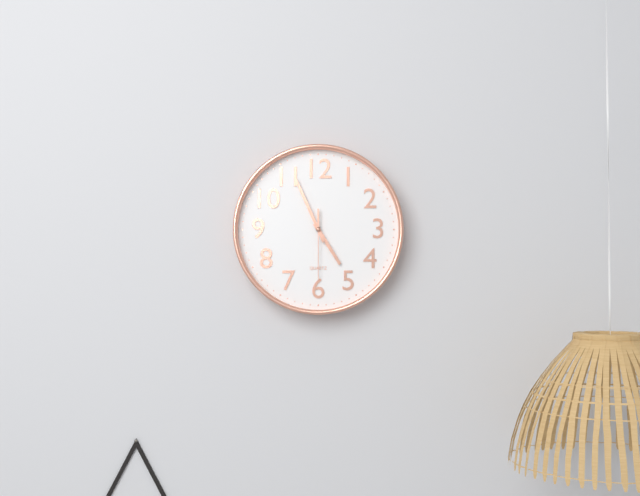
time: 4:56:30
